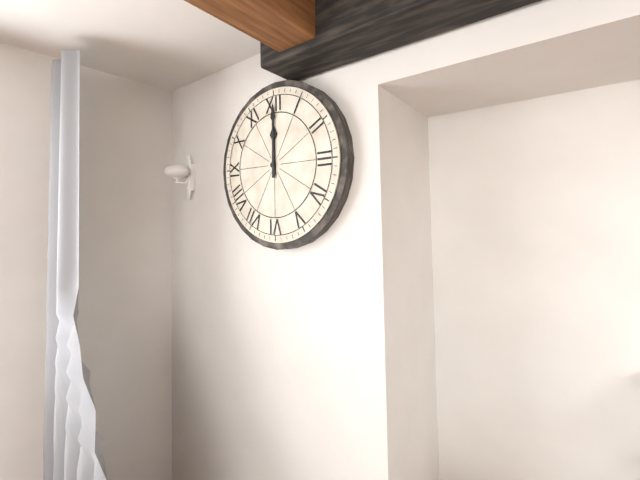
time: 12:00
